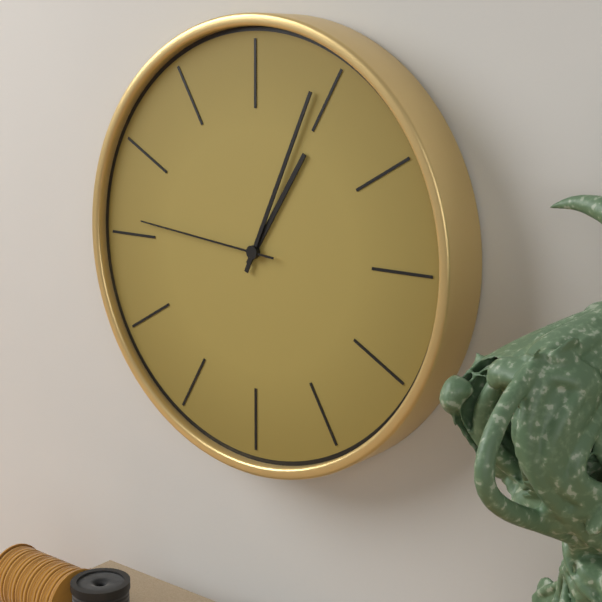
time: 1:04:46
